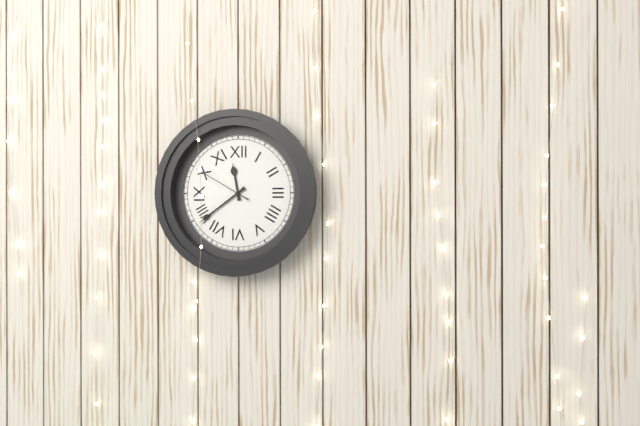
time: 11:39:50
